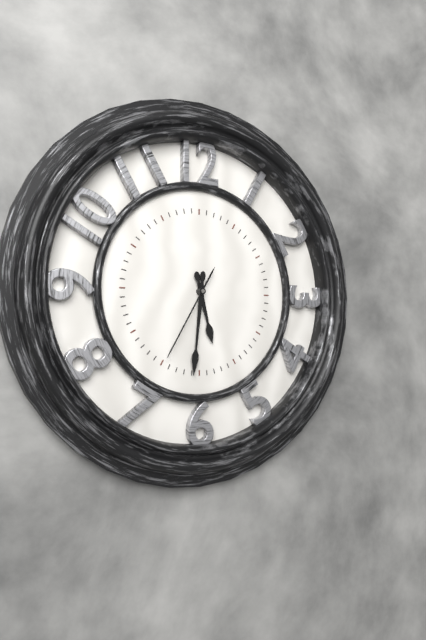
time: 5:31:35
